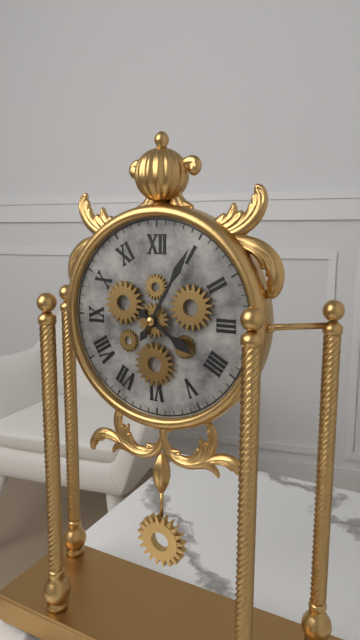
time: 4:05
